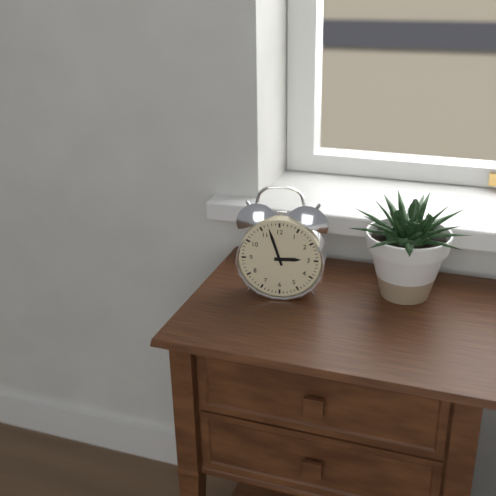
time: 2:57
